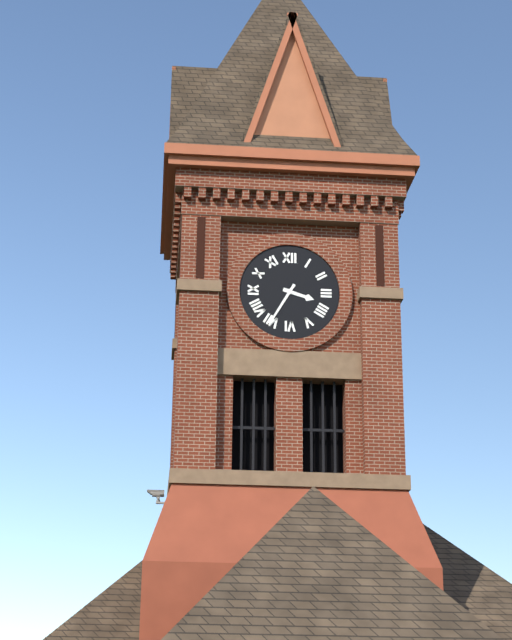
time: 3:35
